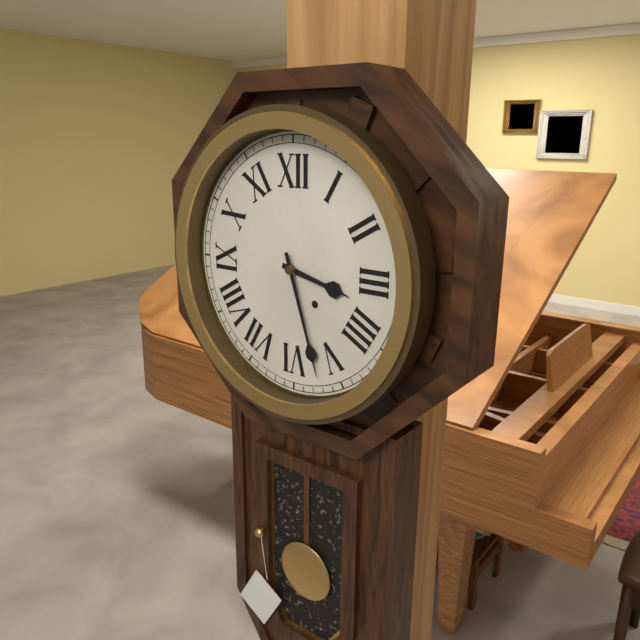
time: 3:27
